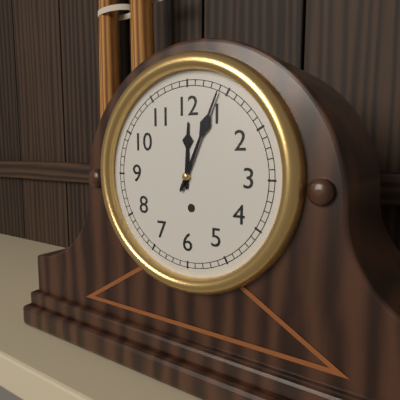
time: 12:04
